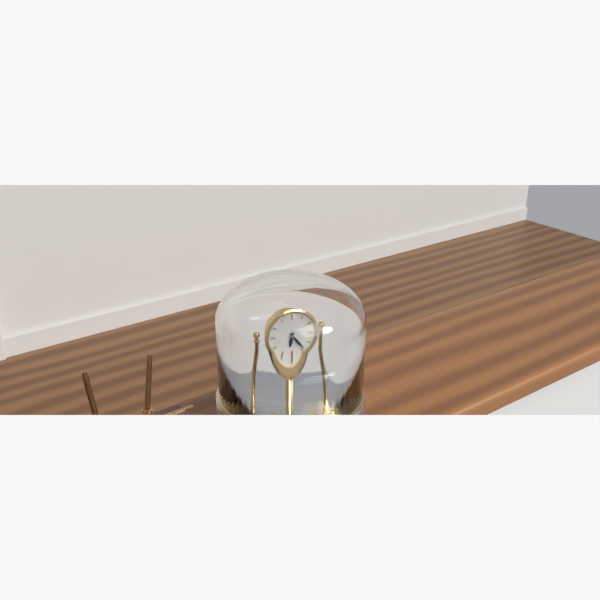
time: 6:24
